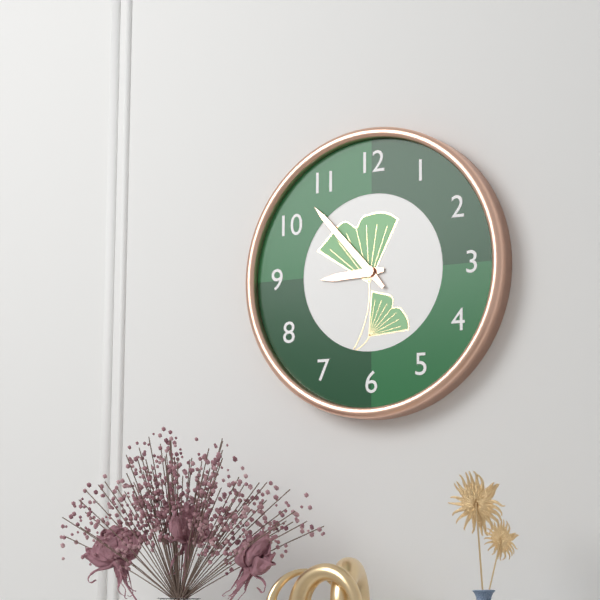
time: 8:53
